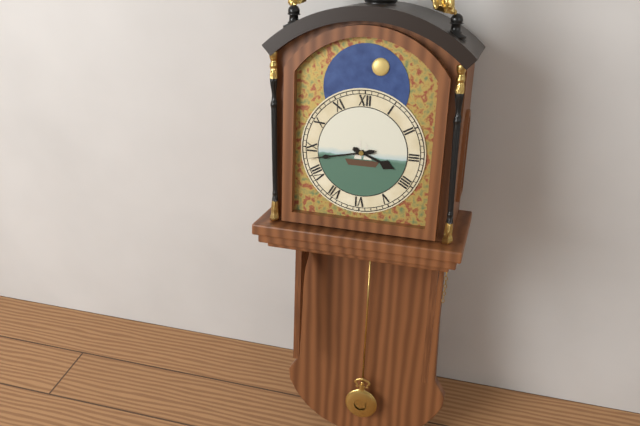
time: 3:43
